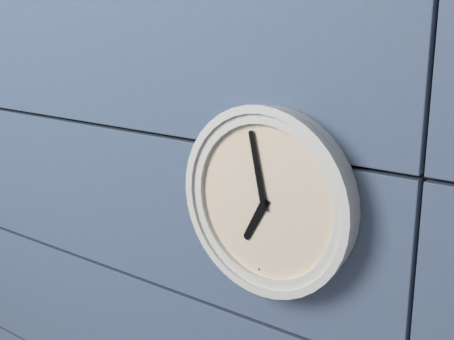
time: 6:58
